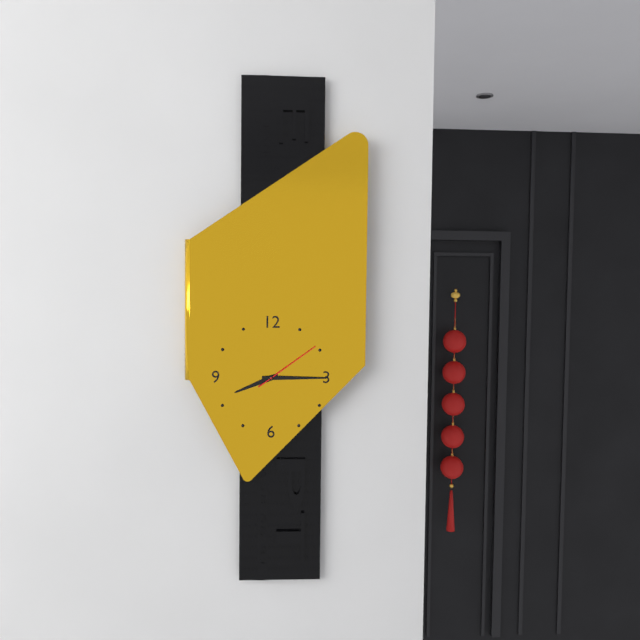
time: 8:15:09
